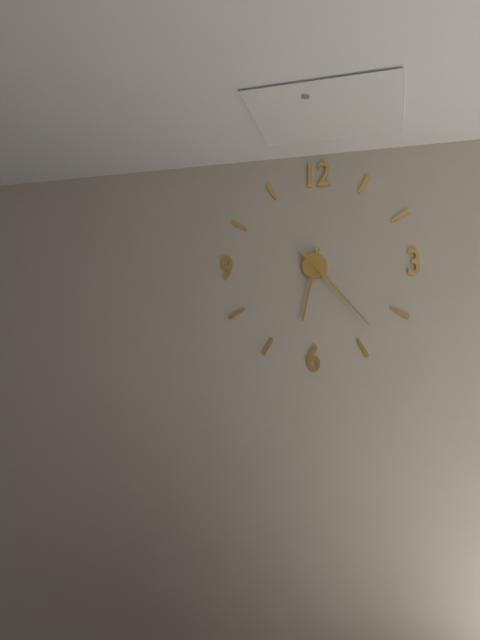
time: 6:23
